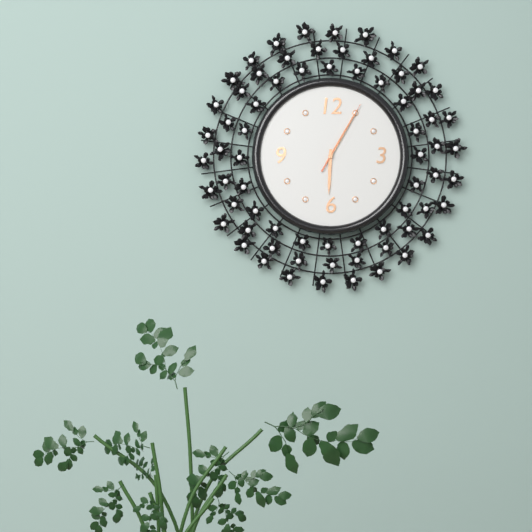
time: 6:05:05
